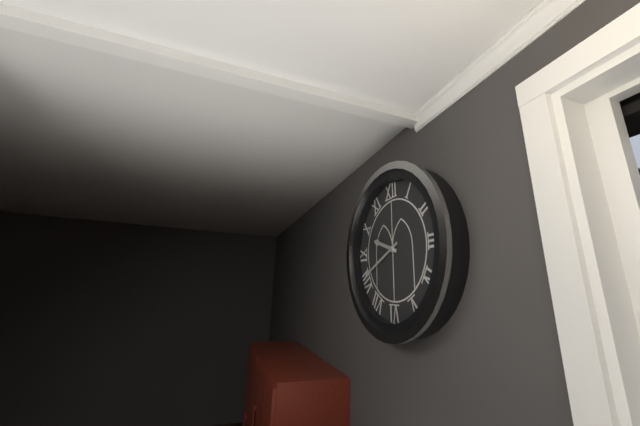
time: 9:41
